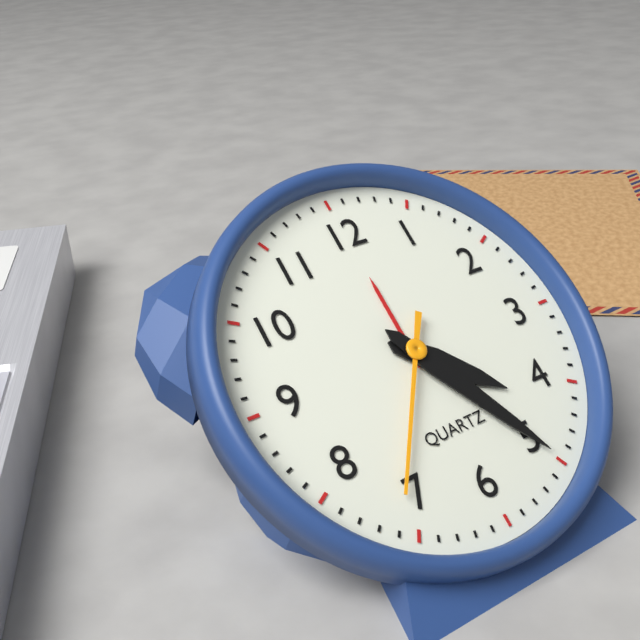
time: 4:25:36
